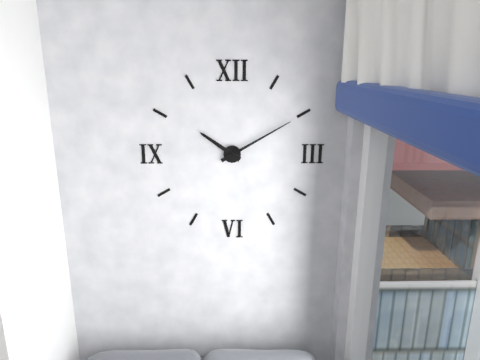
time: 10:10
